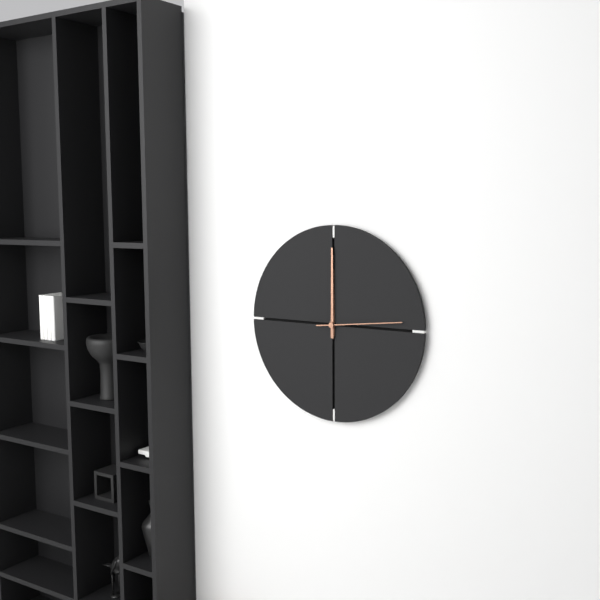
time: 12:00:14
